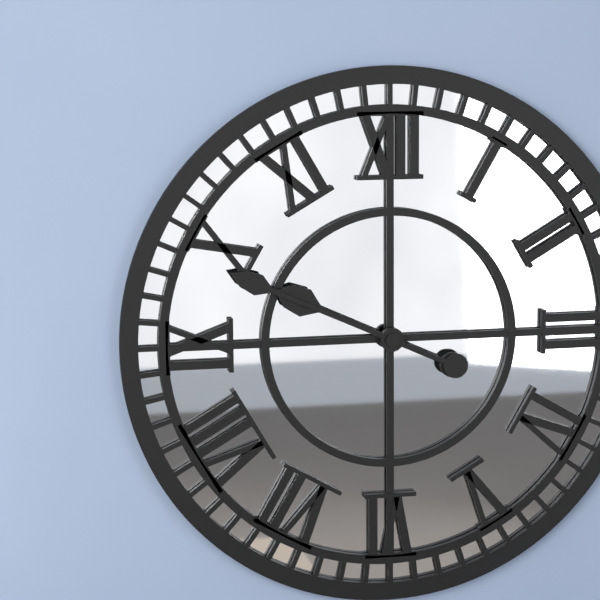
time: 9:49
